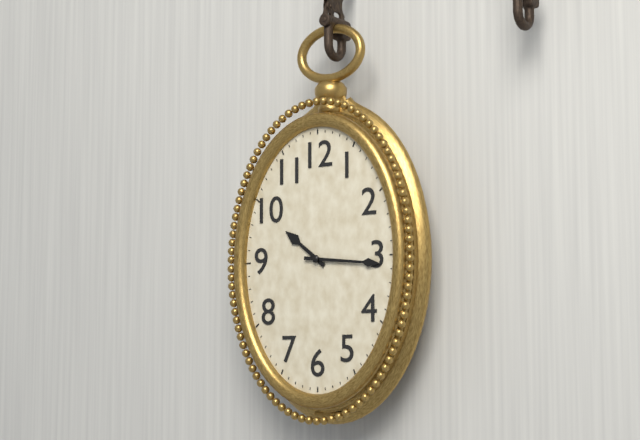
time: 10:16
